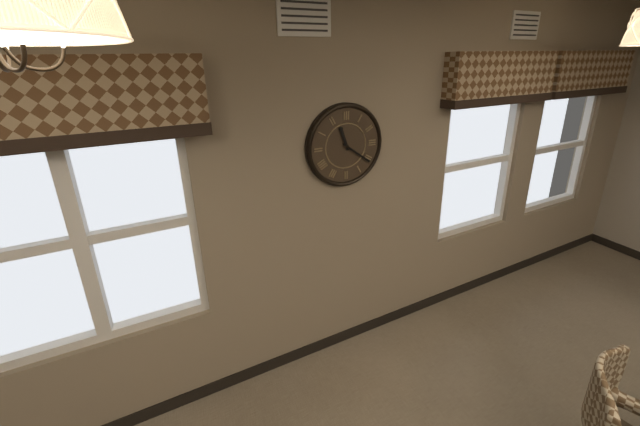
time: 11:21
